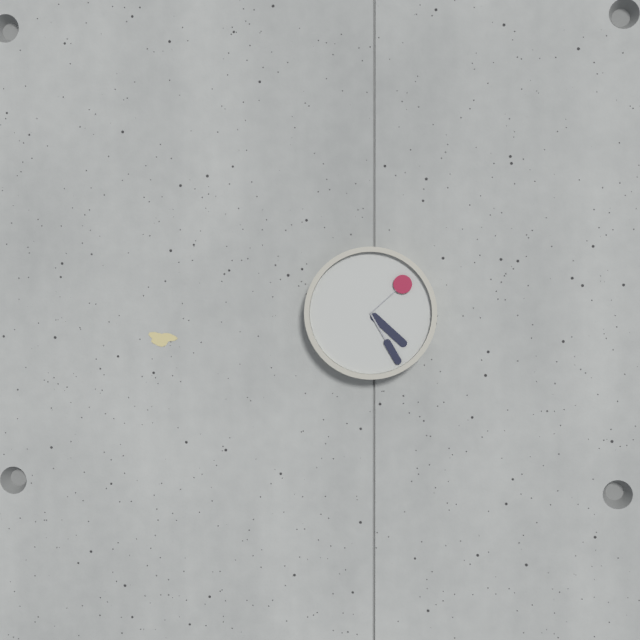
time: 4:25:08
